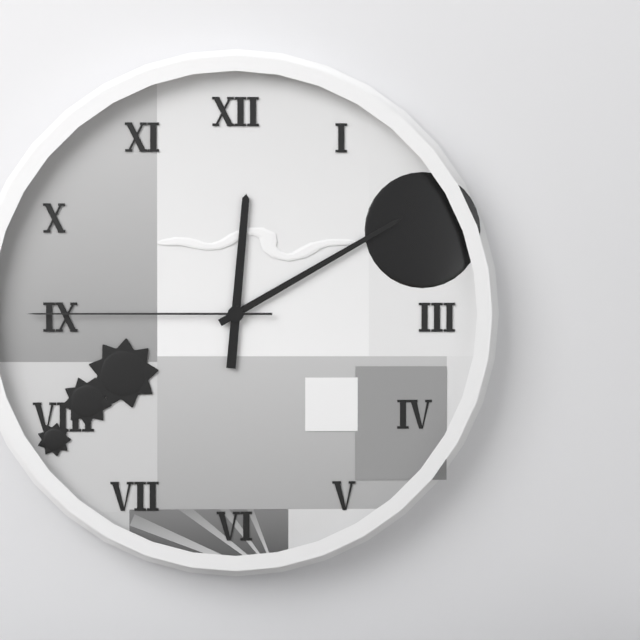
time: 12:10:45
